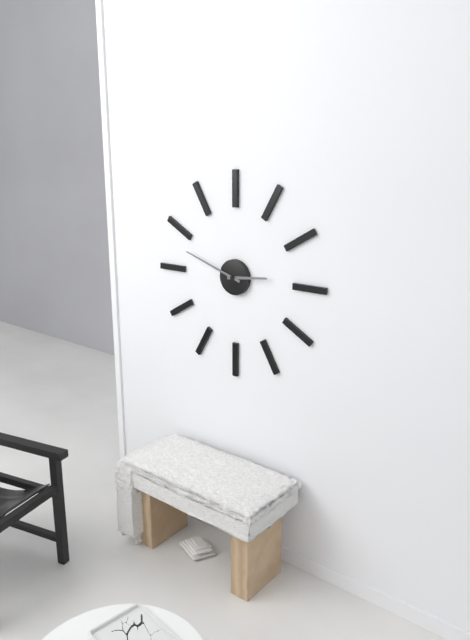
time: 2:48
